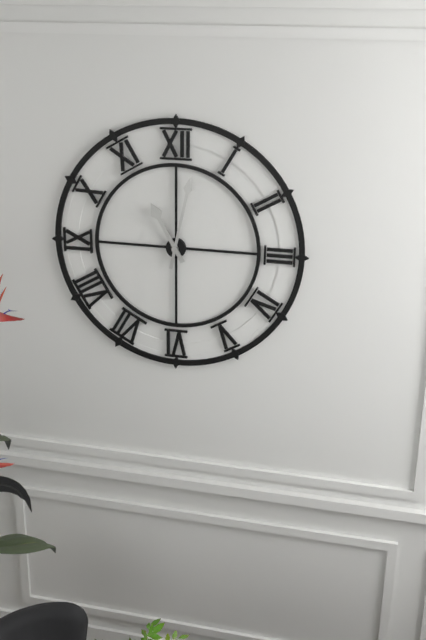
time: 11:02
